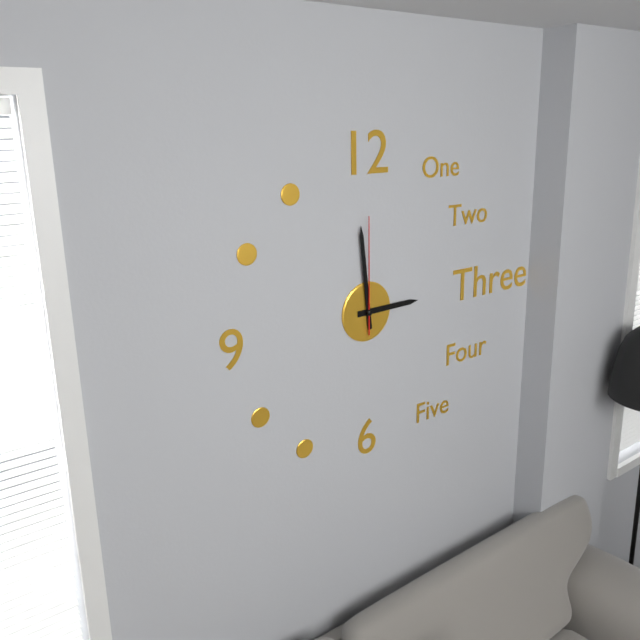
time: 2:59:00
